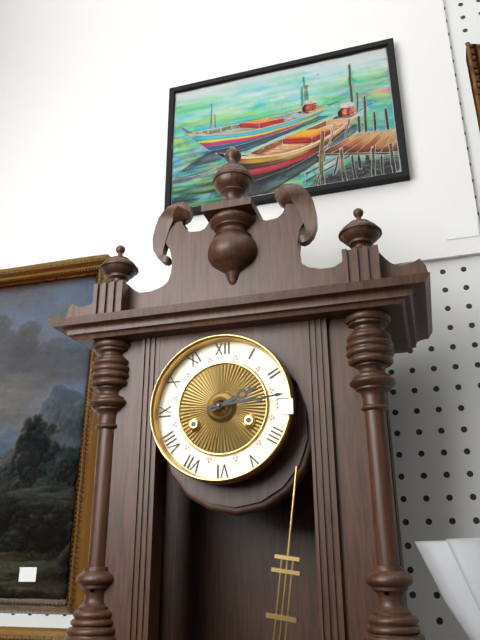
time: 2:14
